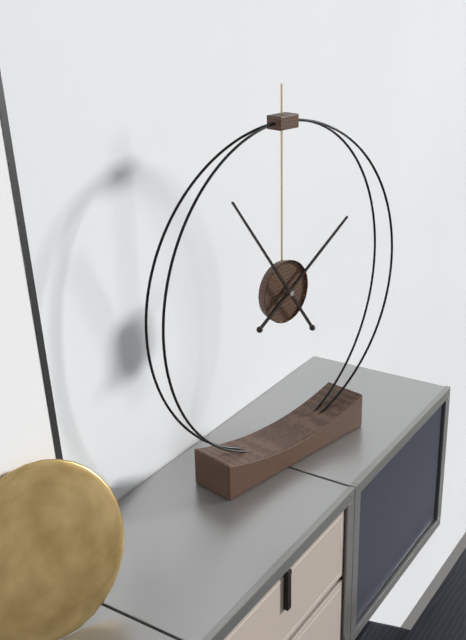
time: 1:54
